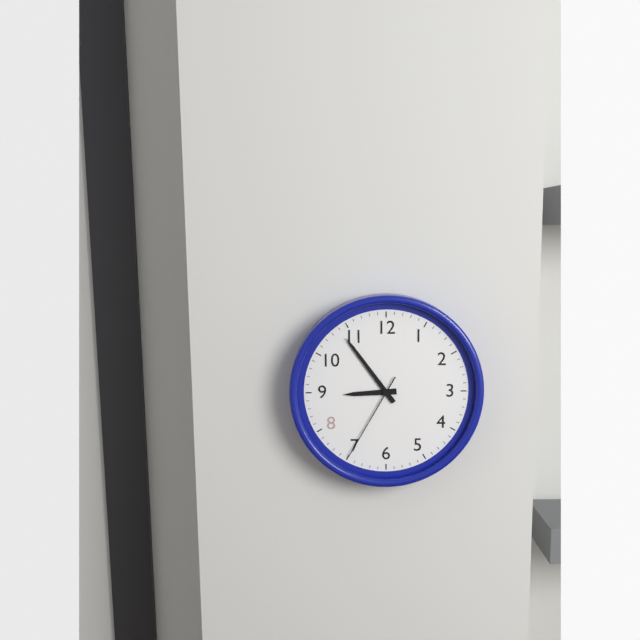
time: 8:54:35
